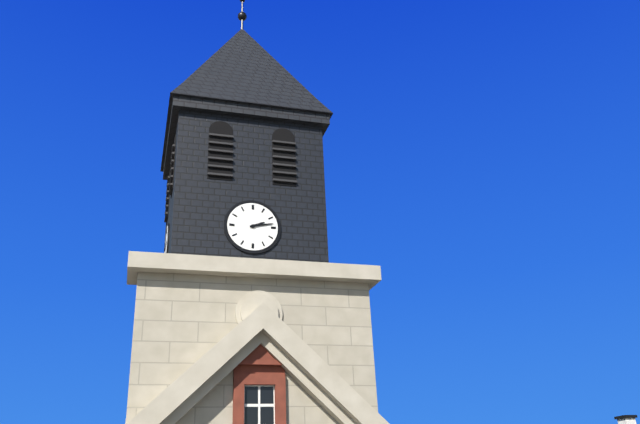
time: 2:13
